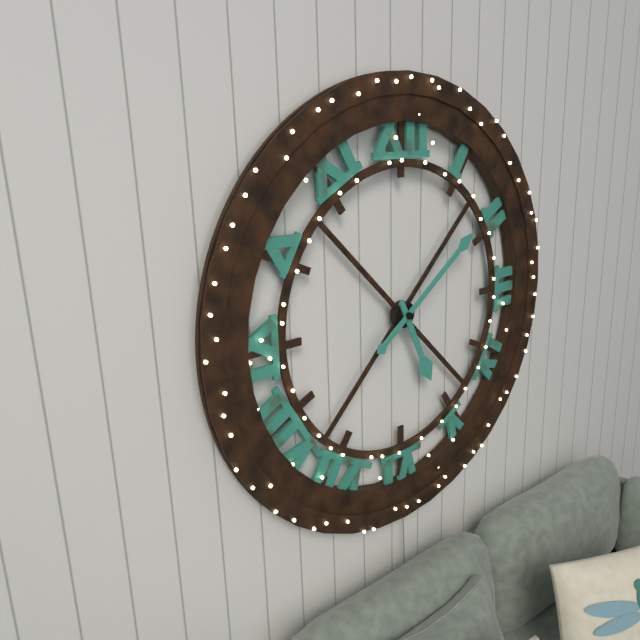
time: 5:09
